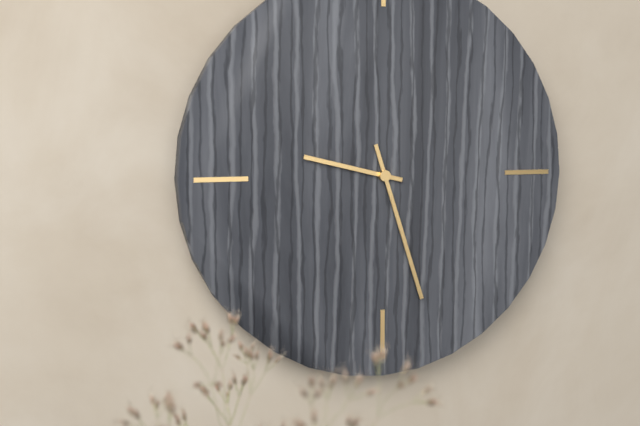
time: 9:27
